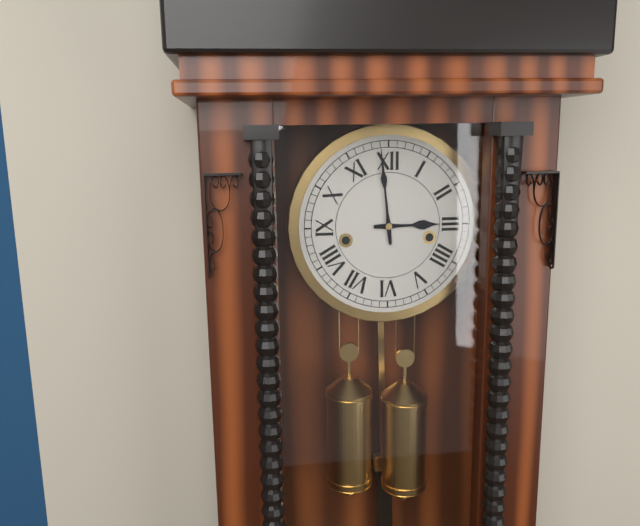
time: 2:59
